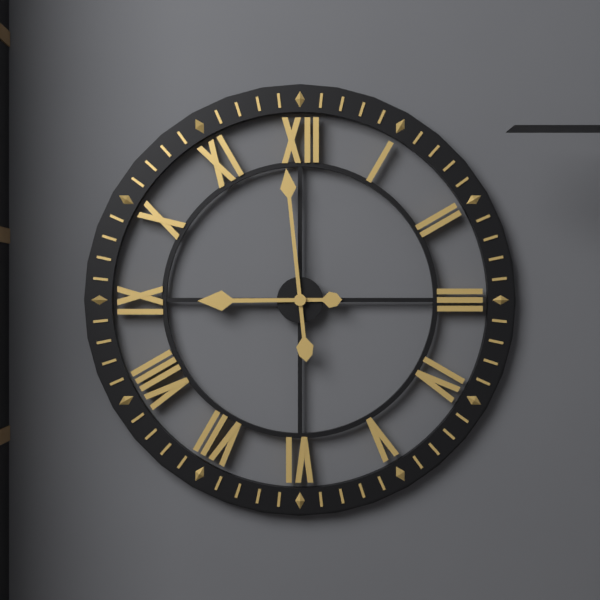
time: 8:59
